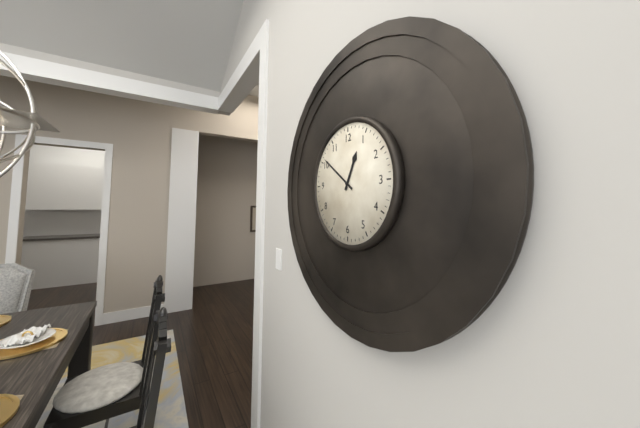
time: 12:51
